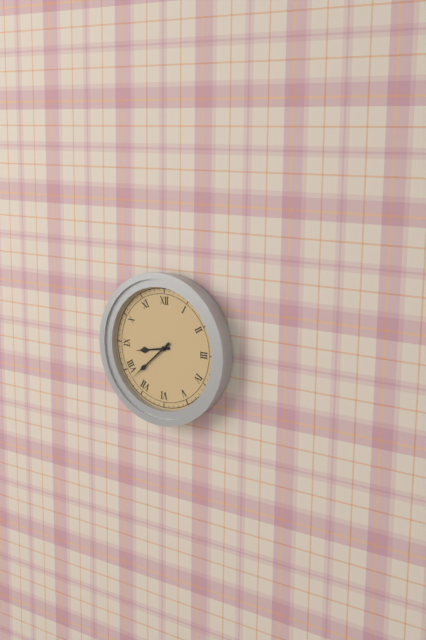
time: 8:38
